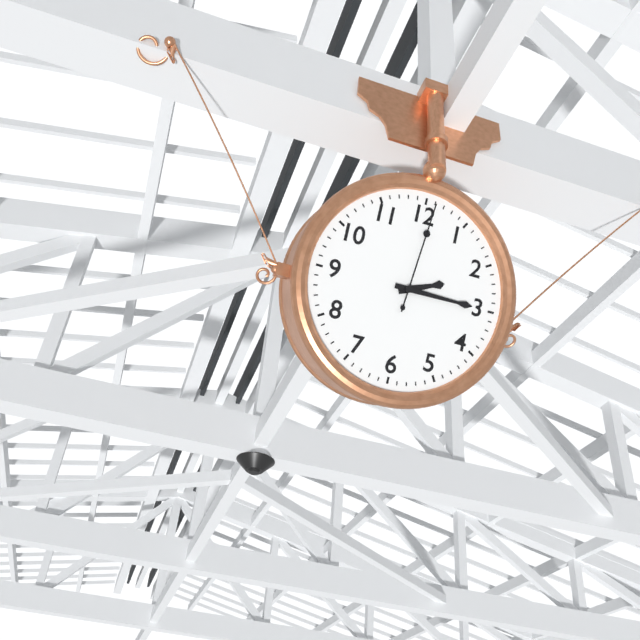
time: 2:15:01
